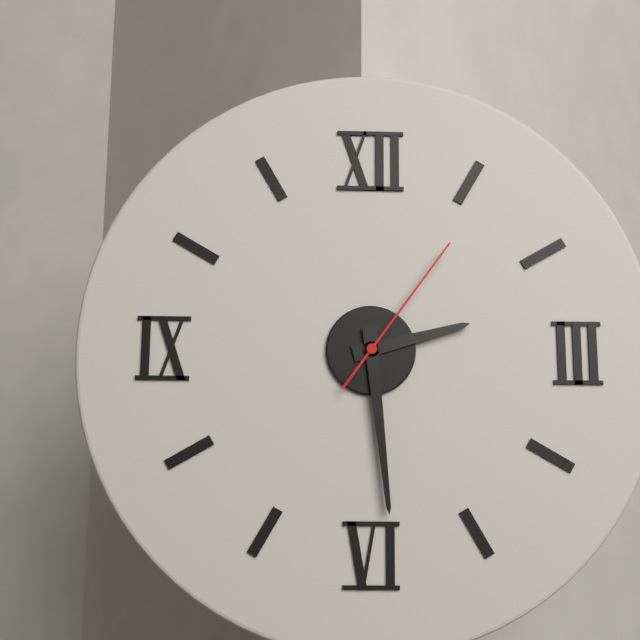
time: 2:29:06
